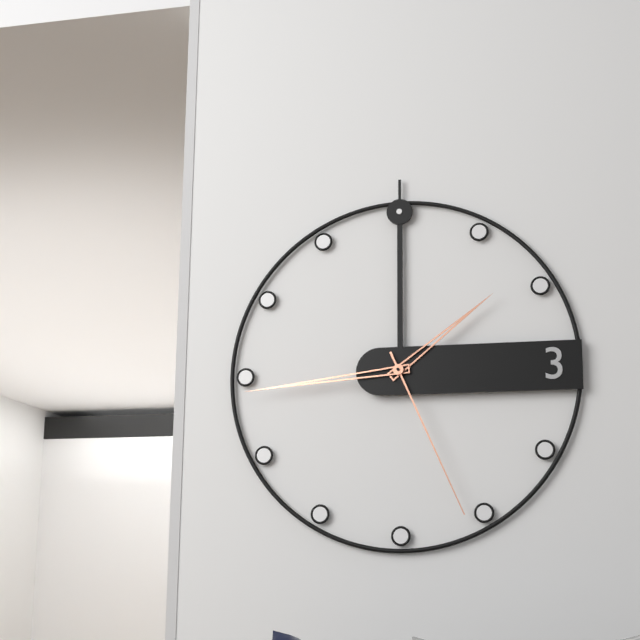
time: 1:44:26
